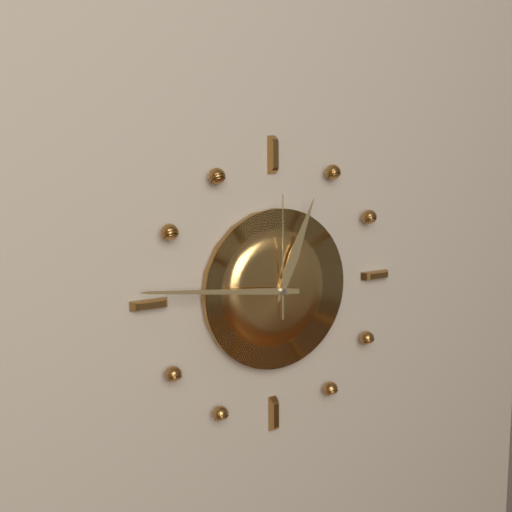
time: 12:46:00
